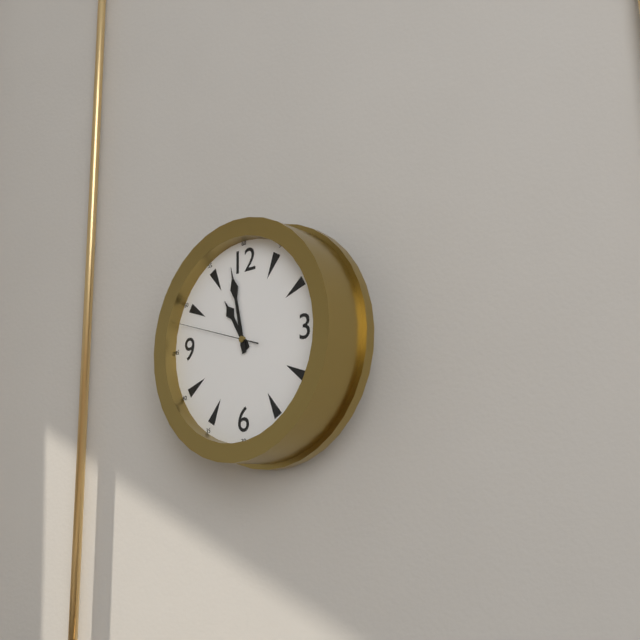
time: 10:58:48
